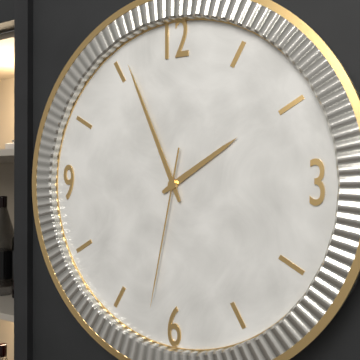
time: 1:56:32
